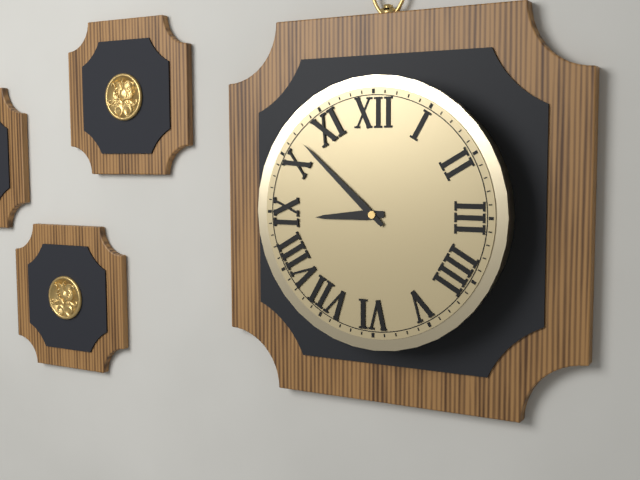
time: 8:52
